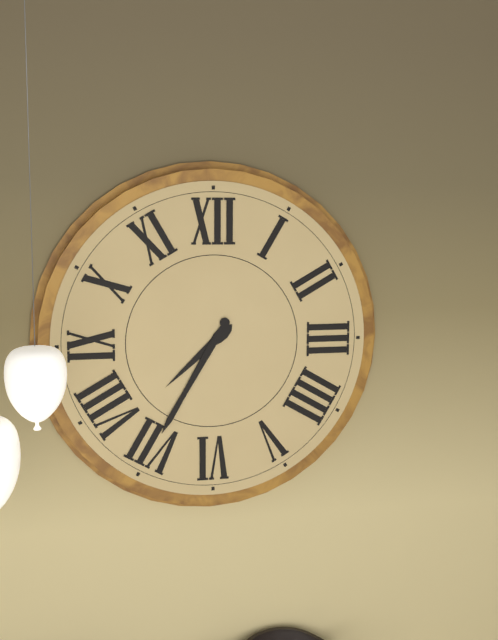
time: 7:35
